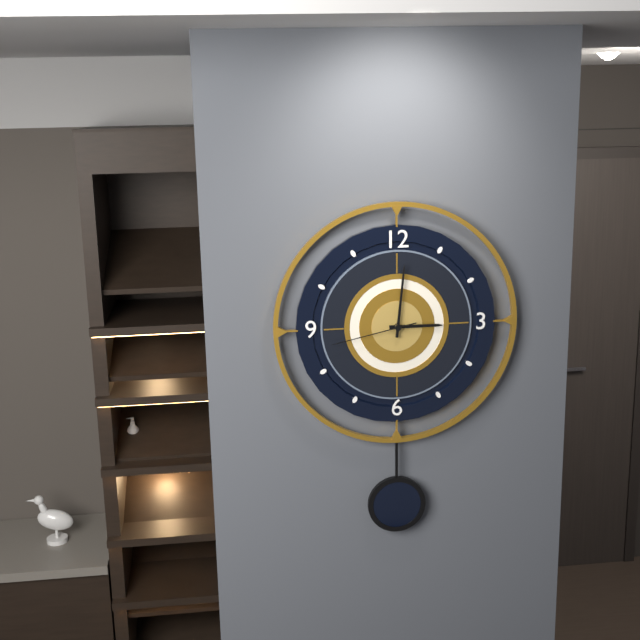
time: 3:01:43
